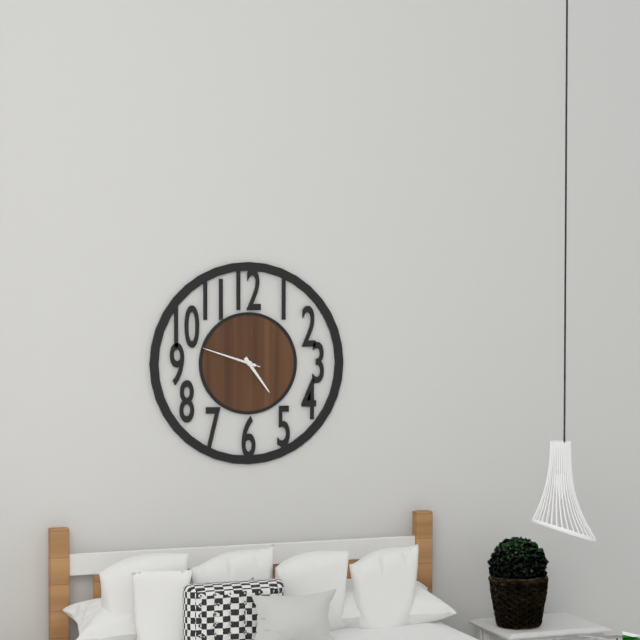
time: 4:48:48
